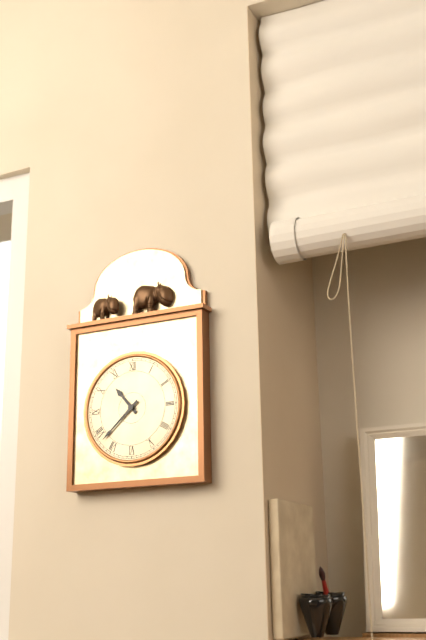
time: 10:38
